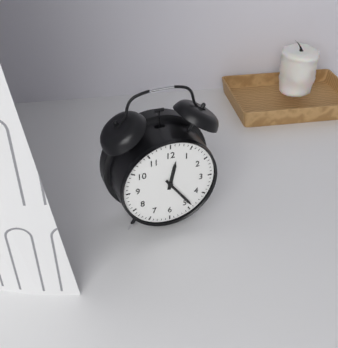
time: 12:24
